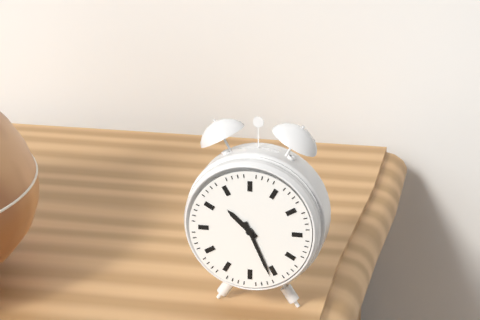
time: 10:26
